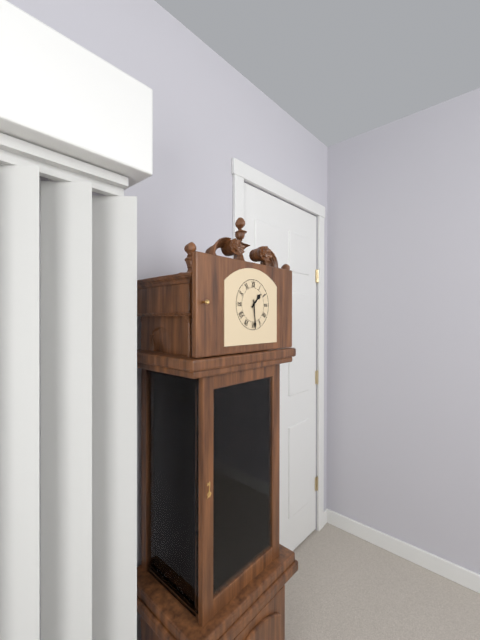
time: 1:29
